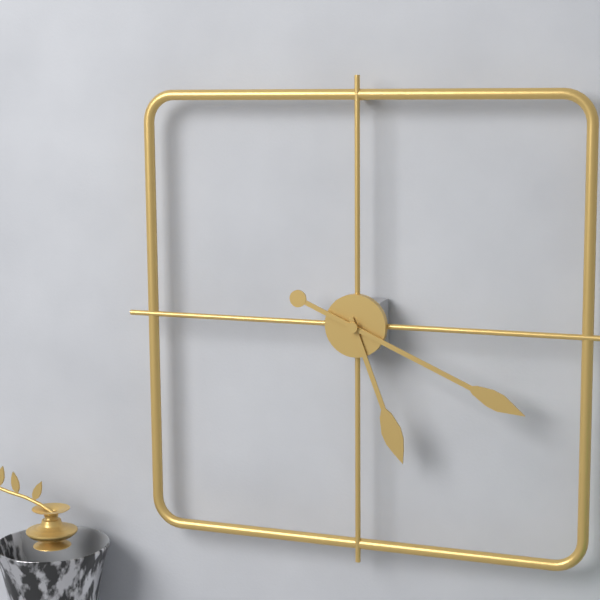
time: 5:19
